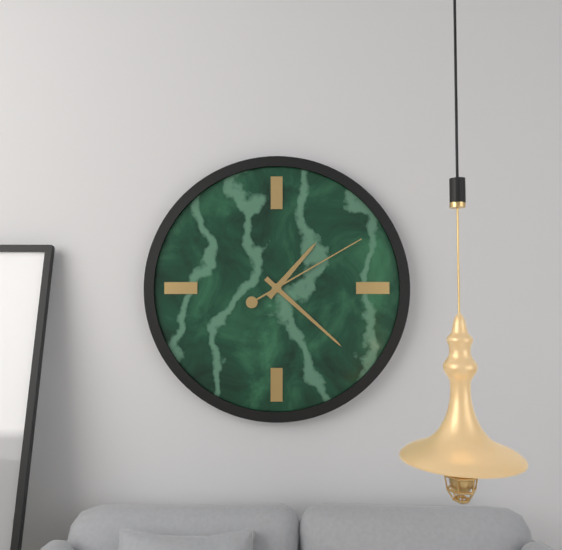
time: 1:22:10
